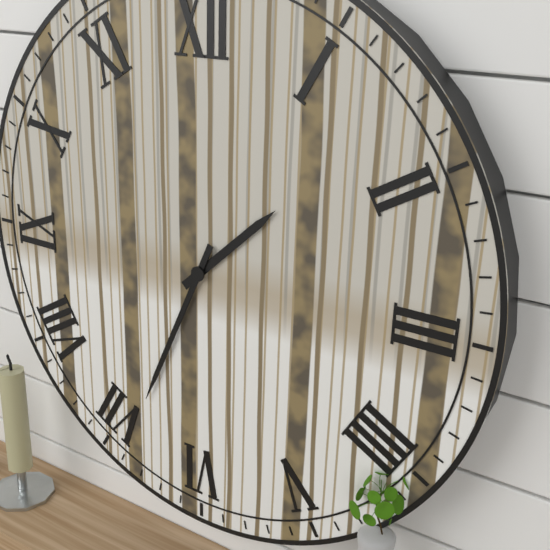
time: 1:34
